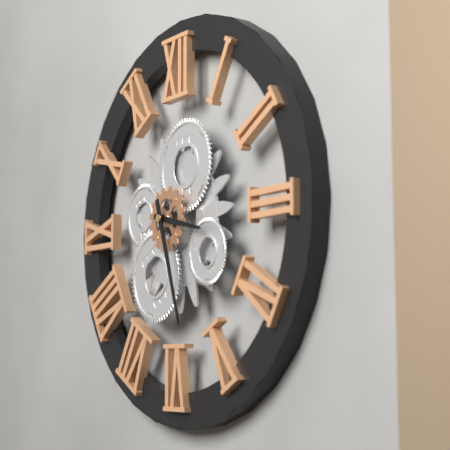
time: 3:27
